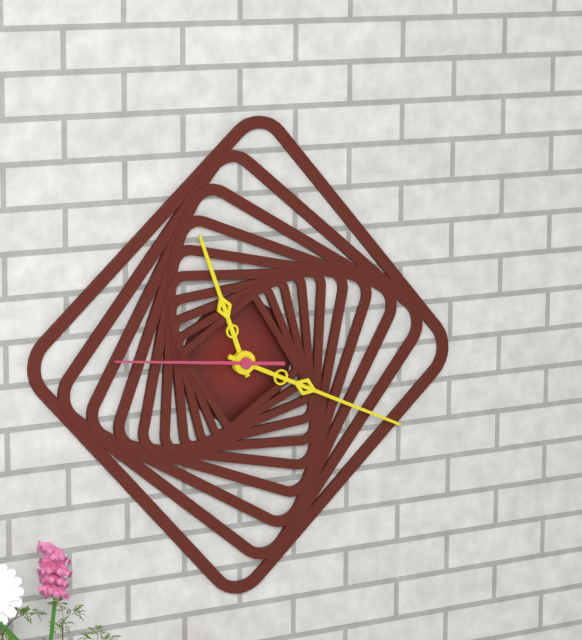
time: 11:19:46
